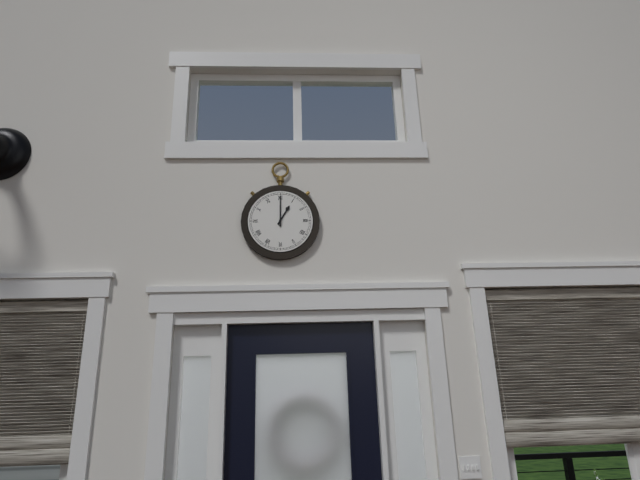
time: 1:00
